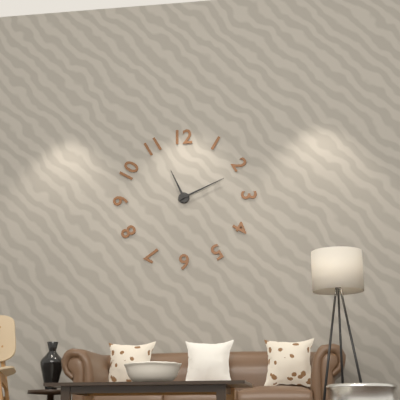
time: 11:11
